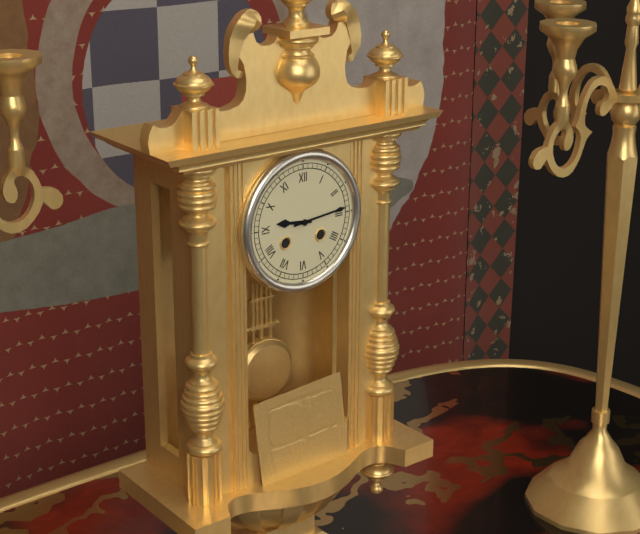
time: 9:14
